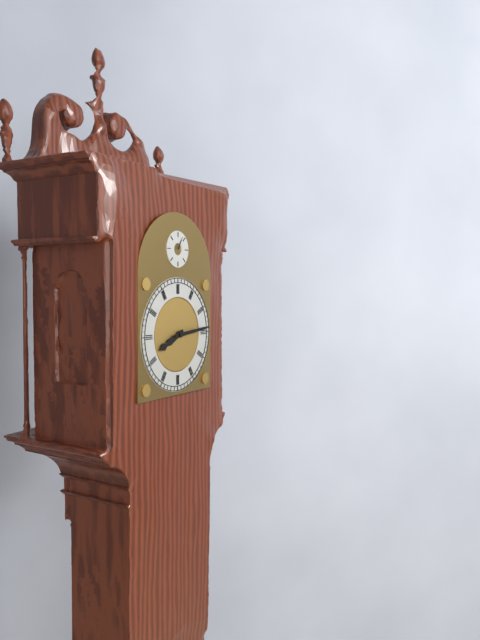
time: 8:14
